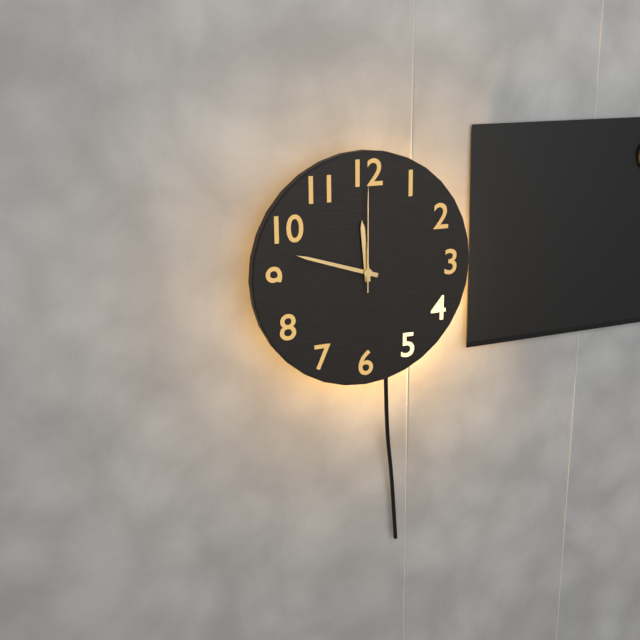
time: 11:48:00
